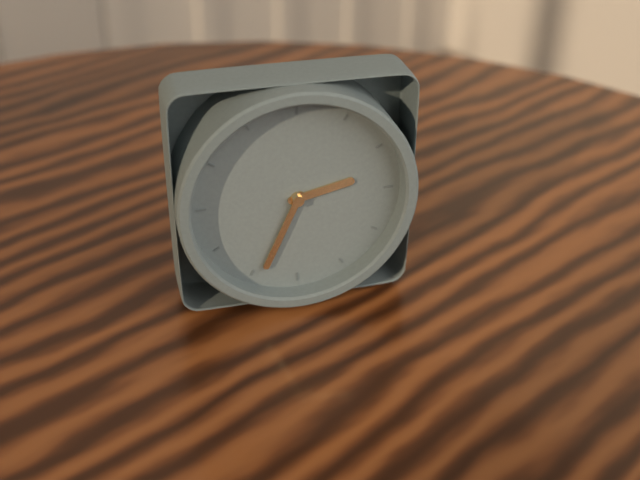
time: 2:34
